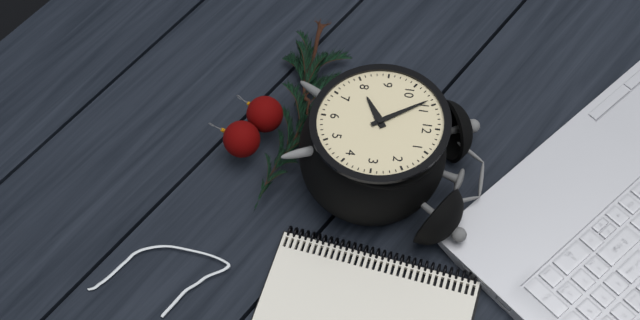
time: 7:54
